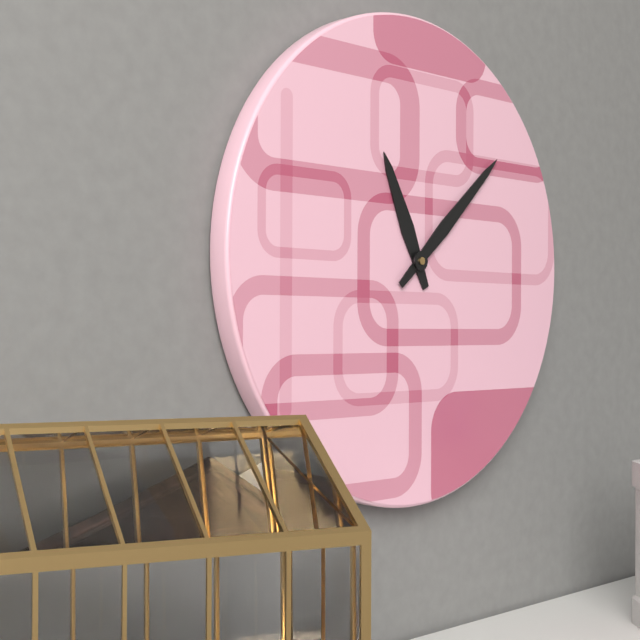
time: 11:08
